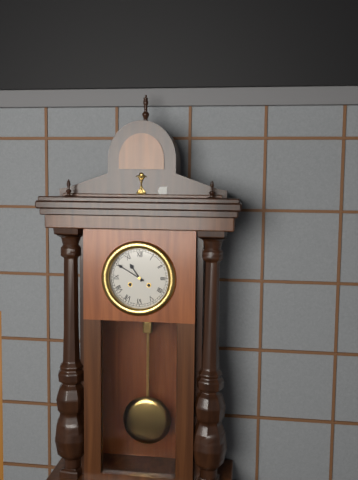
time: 10:50
